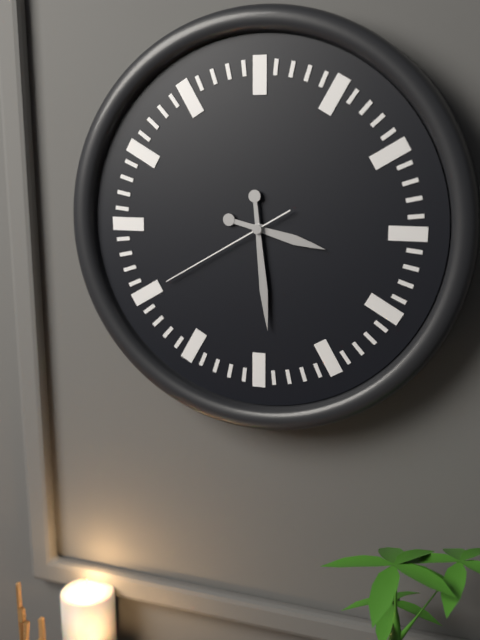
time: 3:29:40
